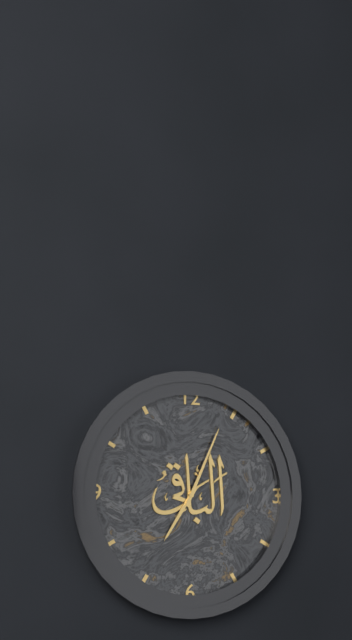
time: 7:04
